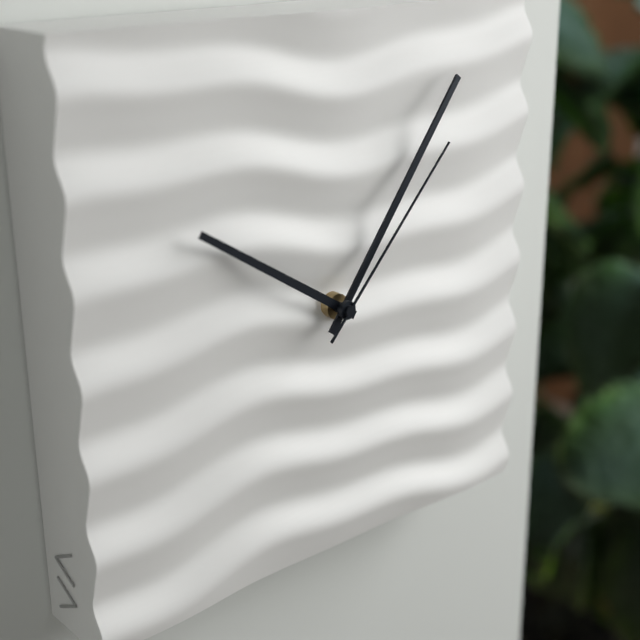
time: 10:06:07
